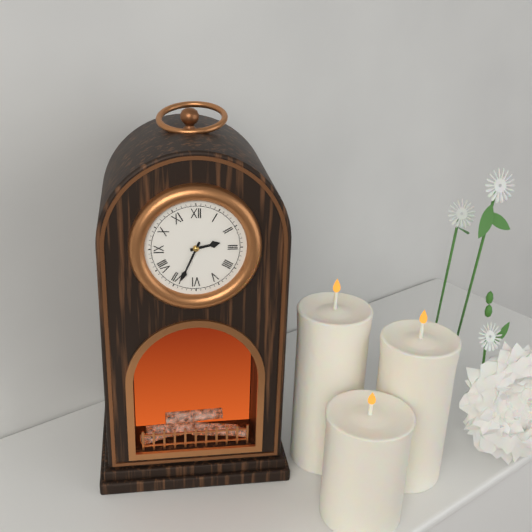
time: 2:34
